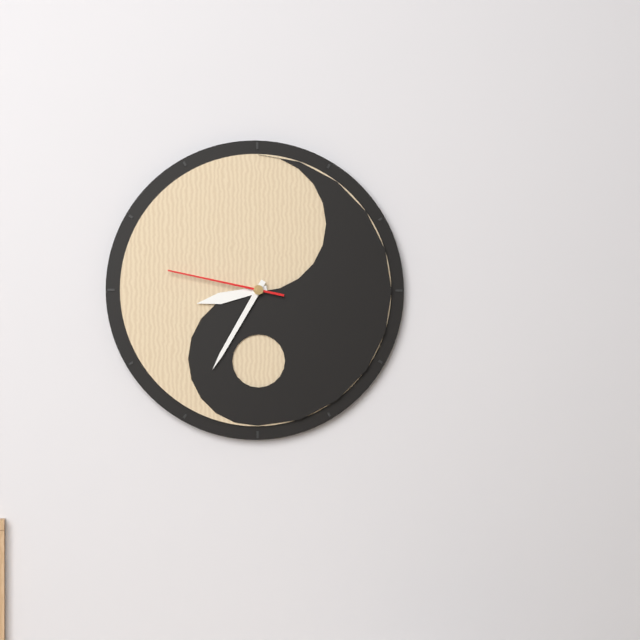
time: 8:35:47
